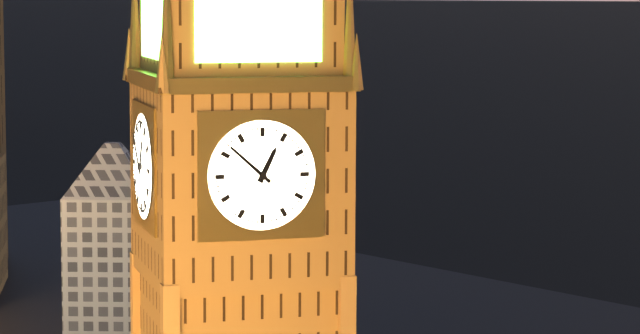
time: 12:52
